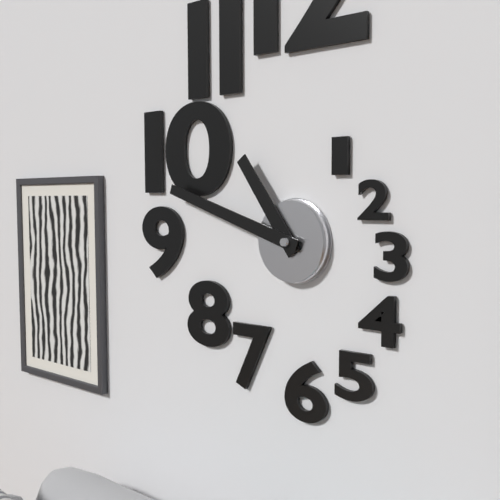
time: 10:48
